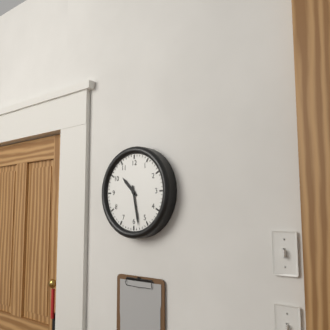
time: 10:28
